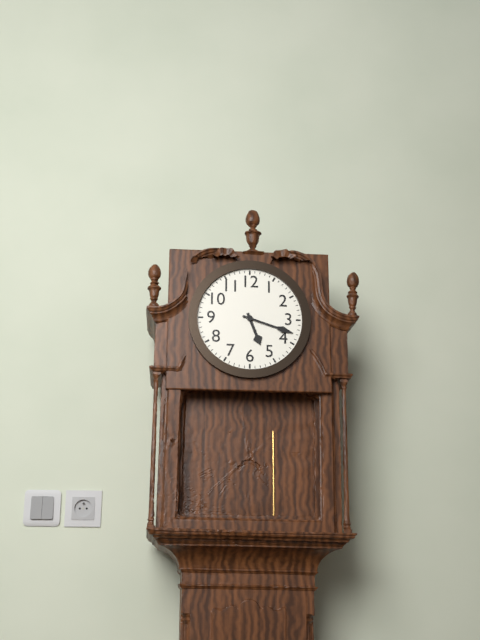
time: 5:18
